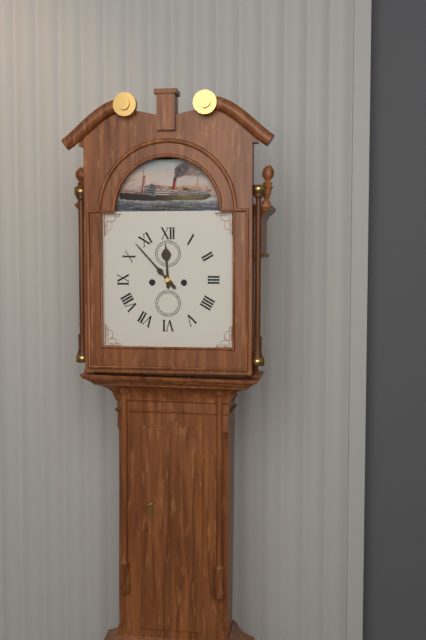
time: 11:53
